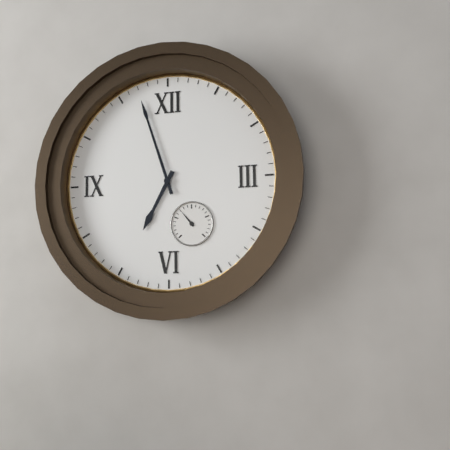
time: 6:57
